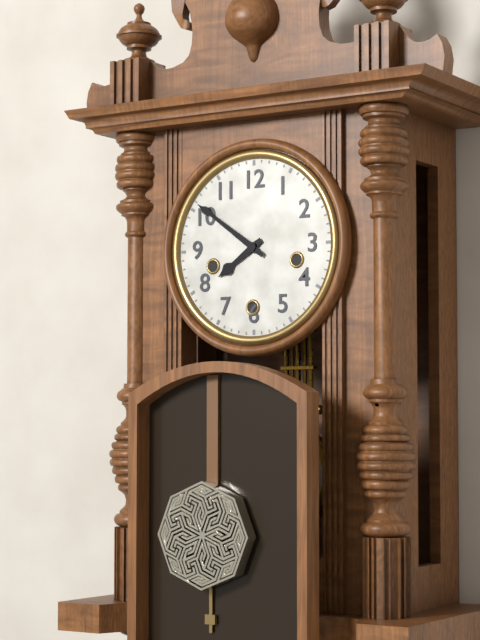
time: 7:51
